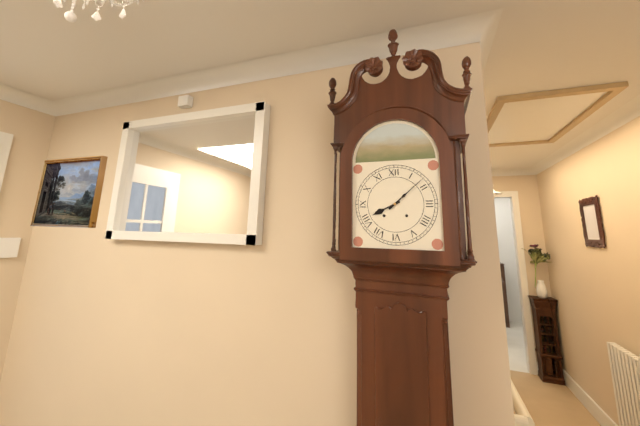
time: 8:08
